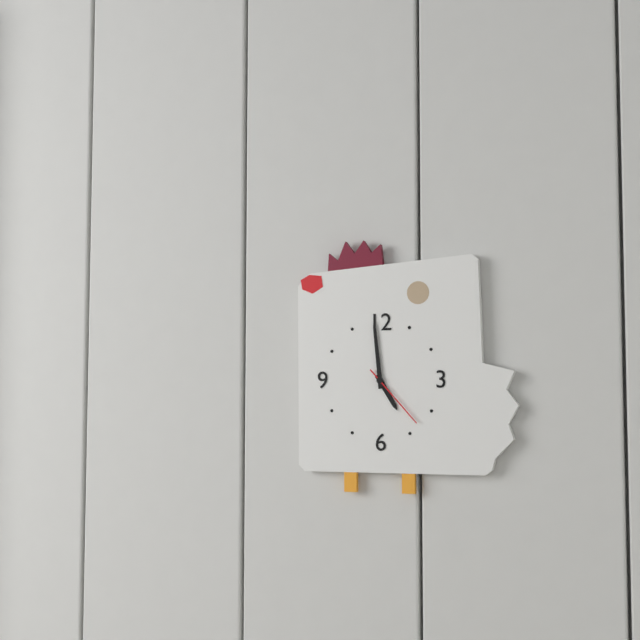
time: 4:59:23
